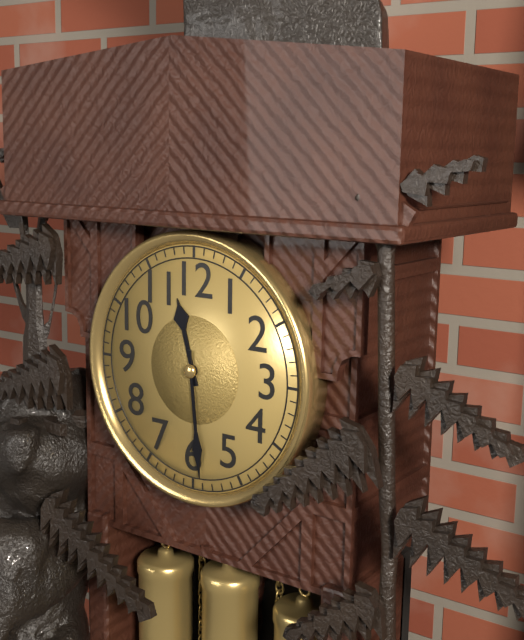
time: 11:29
